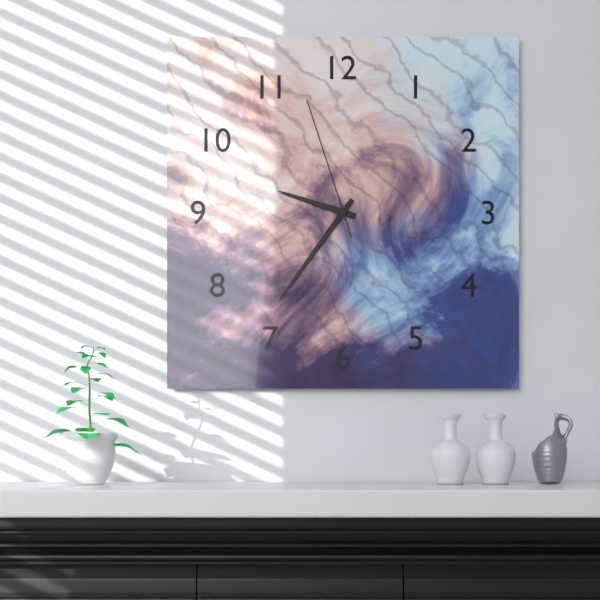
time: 9:36:57
